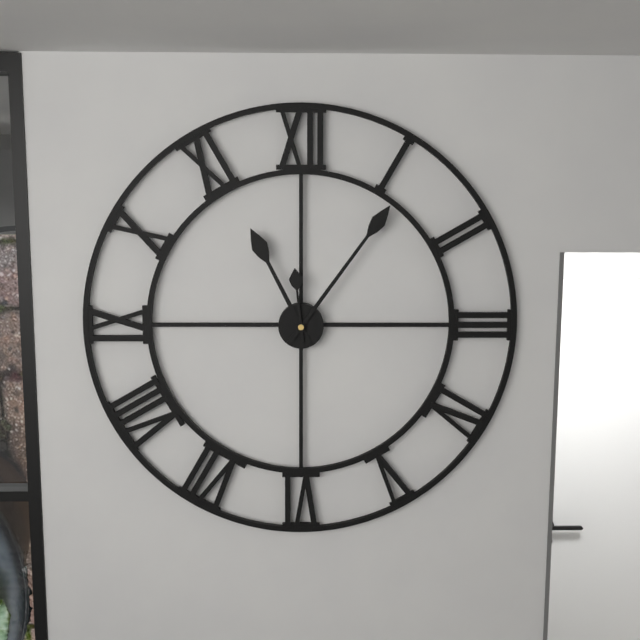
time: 11:06:59
